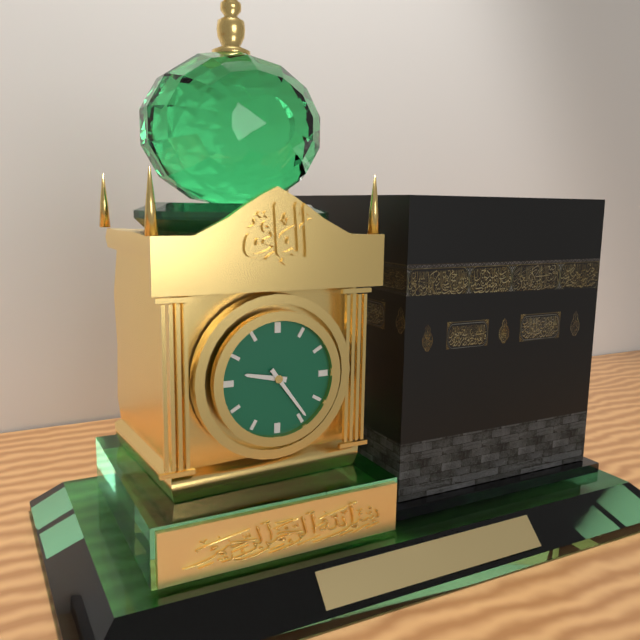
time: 9:24
